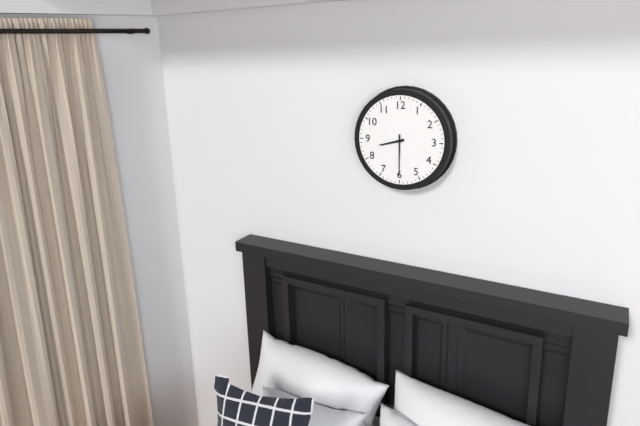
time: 8:30
